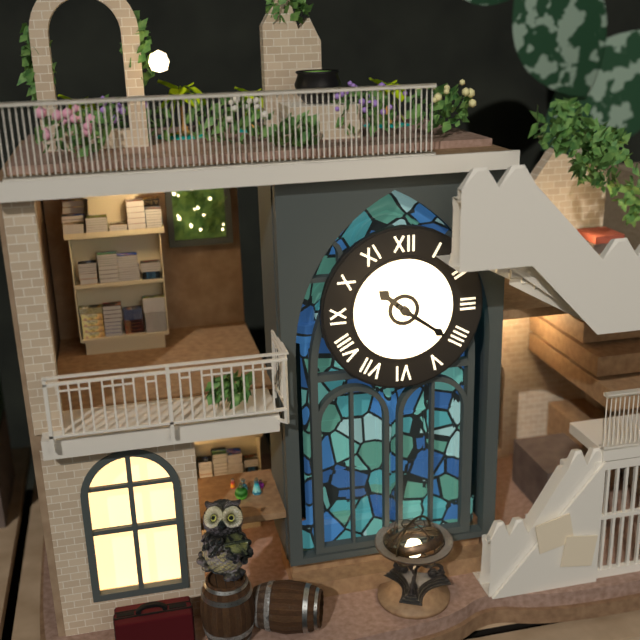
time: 10:21
